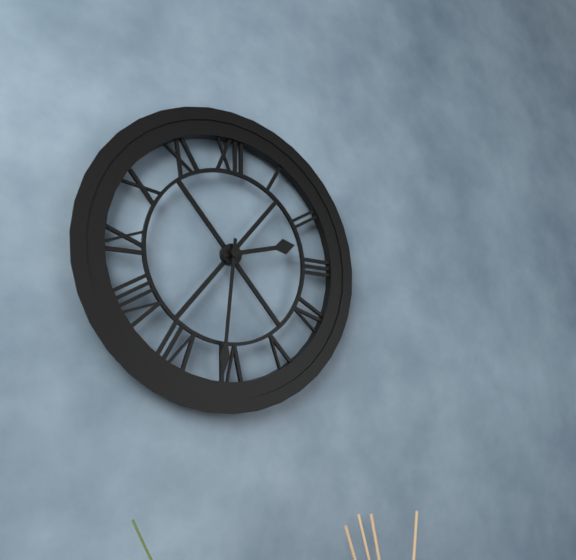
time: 2:31
